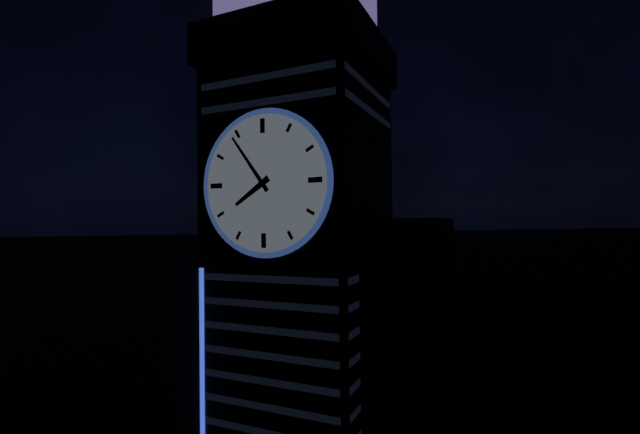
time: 7:54
